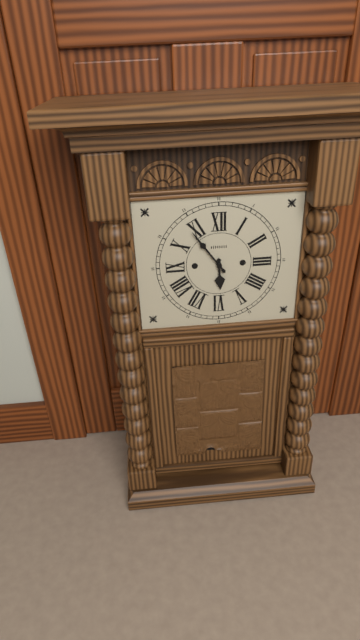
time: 5:54
